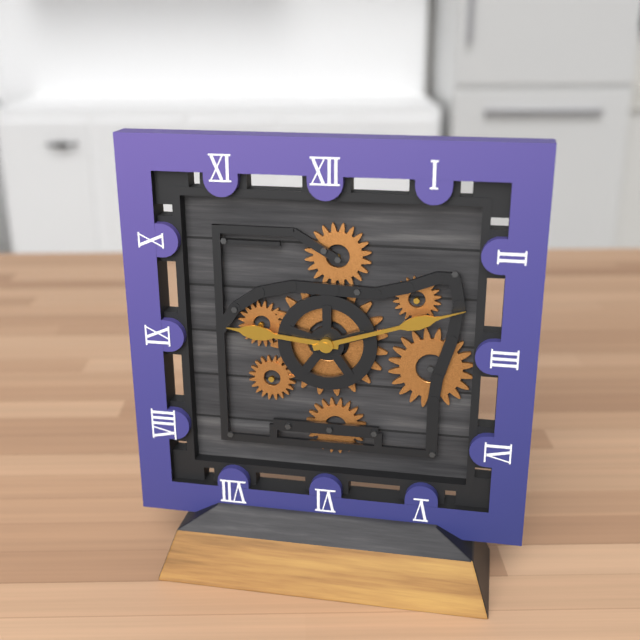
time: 9:12
